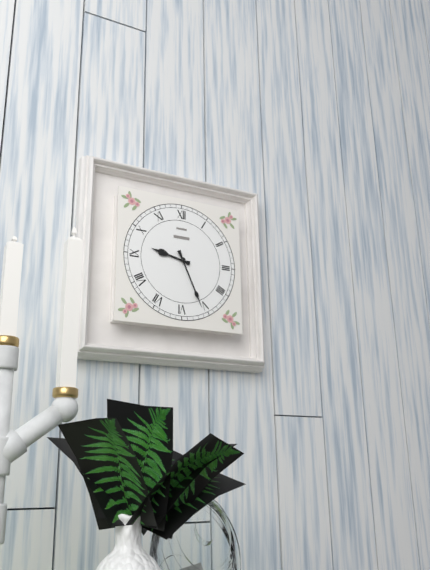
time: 9:26
